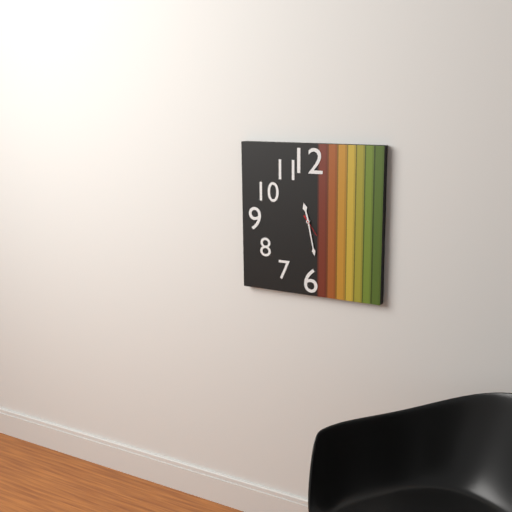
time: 11:28
